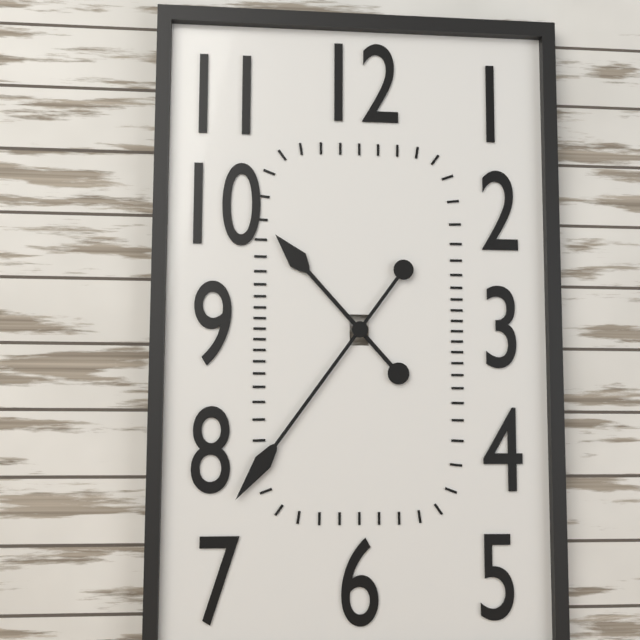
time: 10:36
